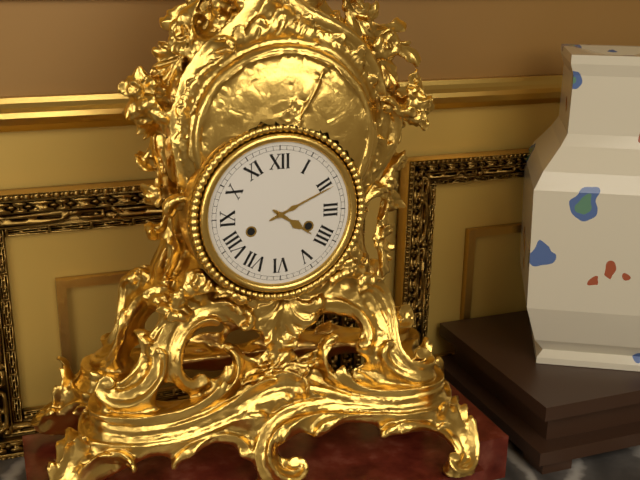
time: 4:11
